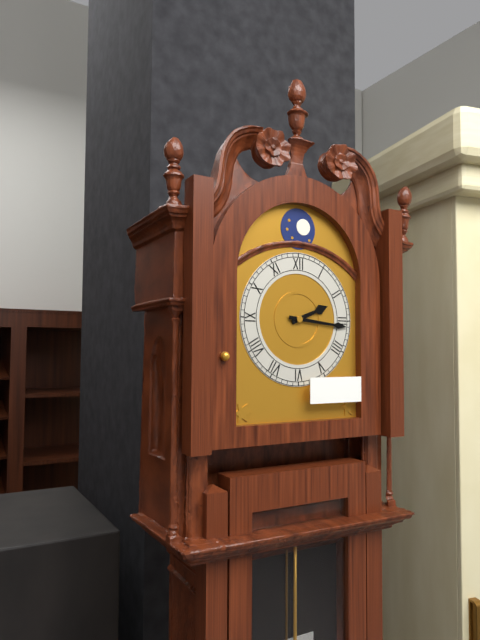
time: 2:16
